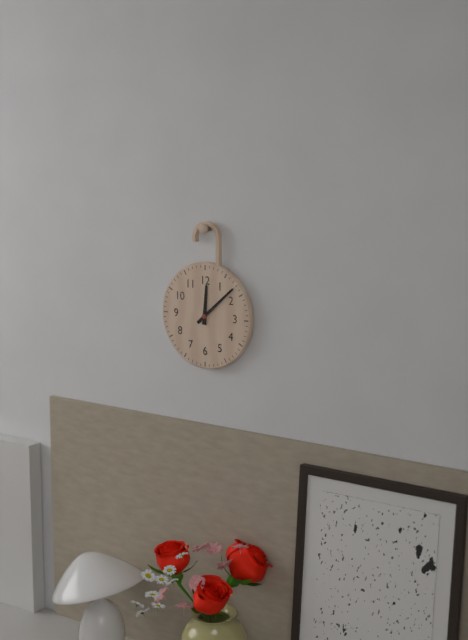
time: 12:08
